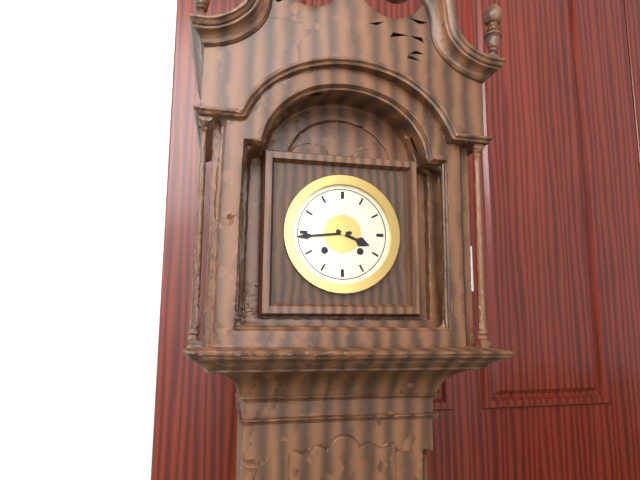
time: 3:44
